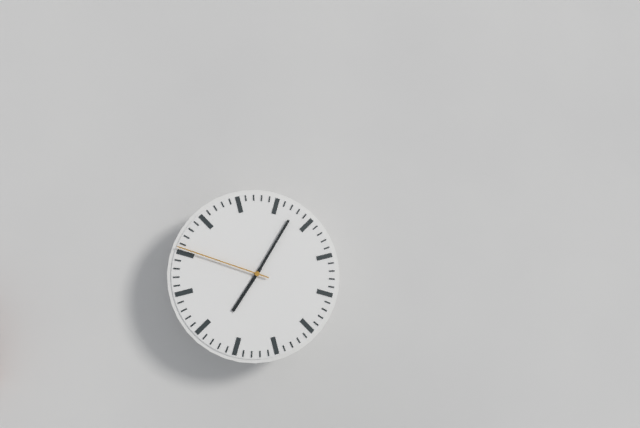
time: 7:05:48
